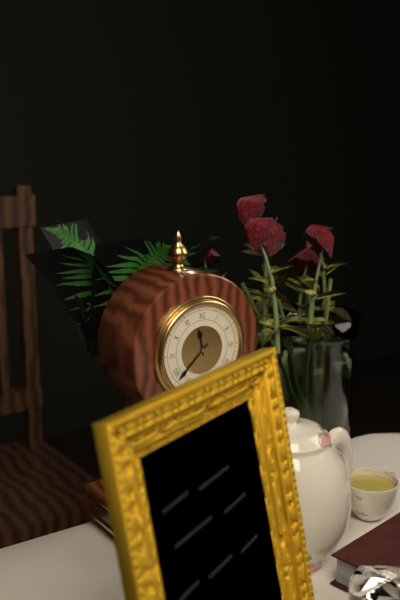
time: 11:38
